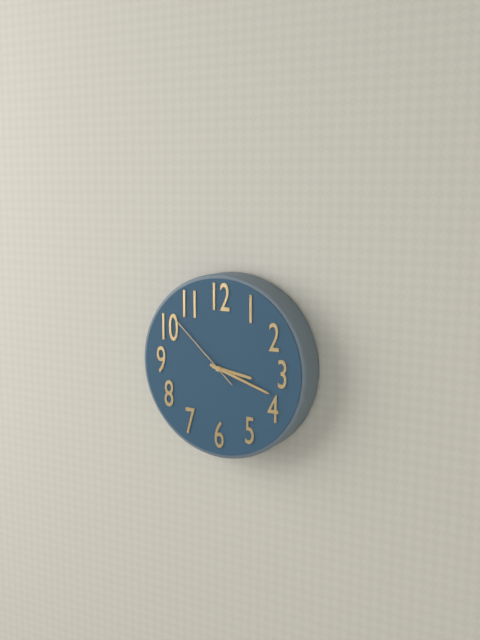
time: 3:18:52
